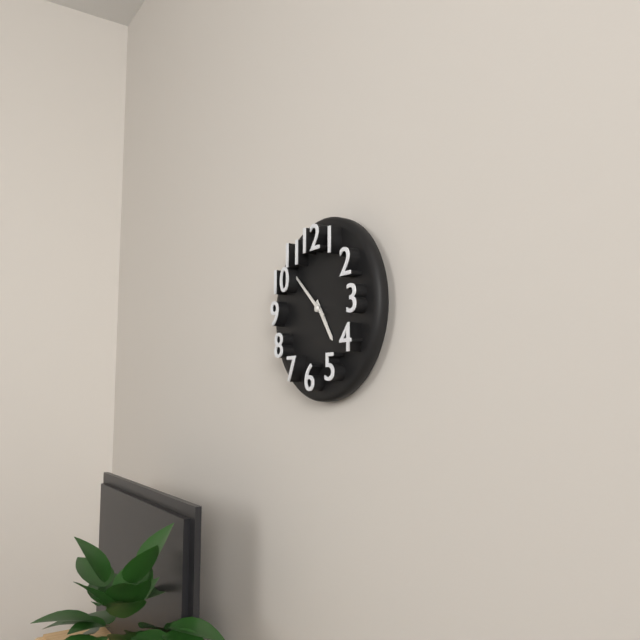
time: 4:52
